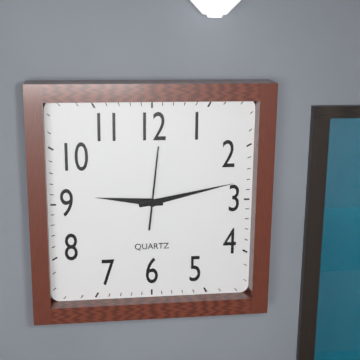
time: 9:13:01
